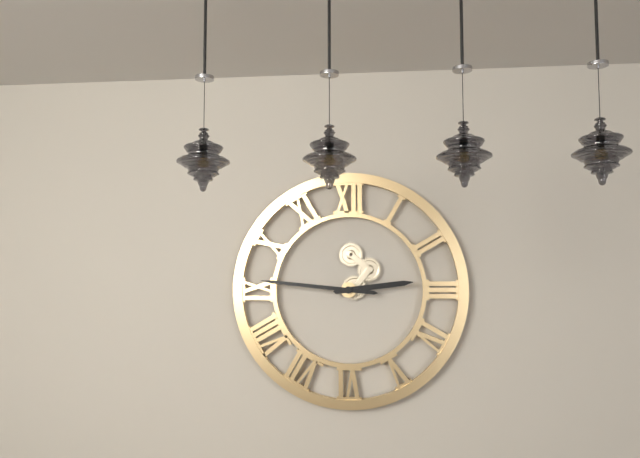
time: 2:46
